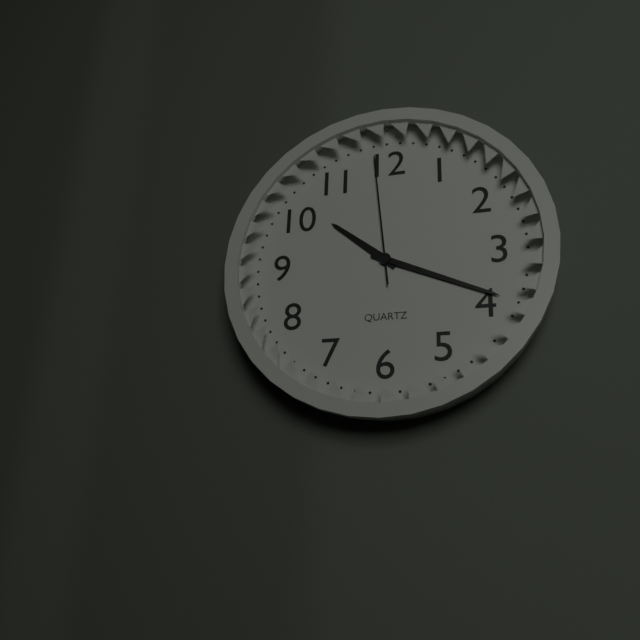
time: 10:19:59
